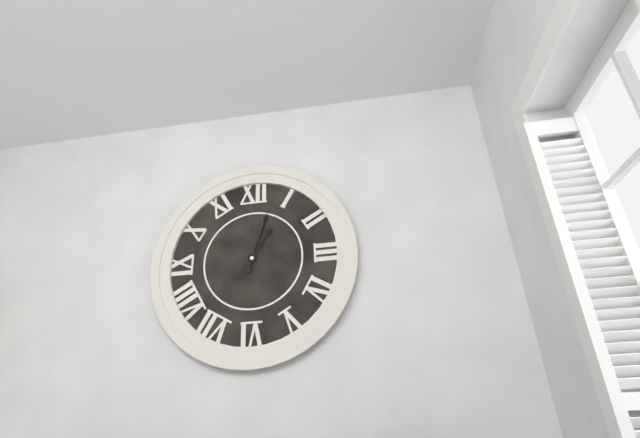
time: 1:03
